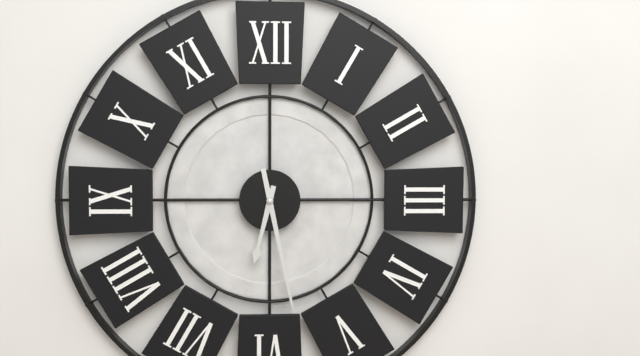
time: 6:28
